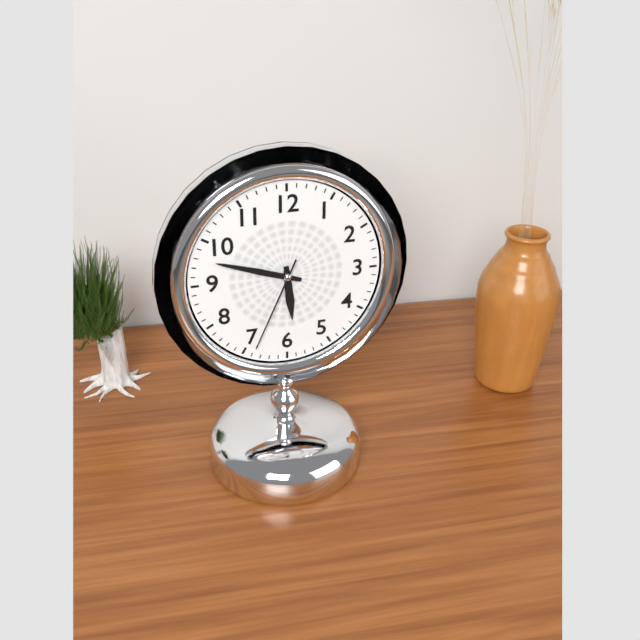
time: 5:48:34
